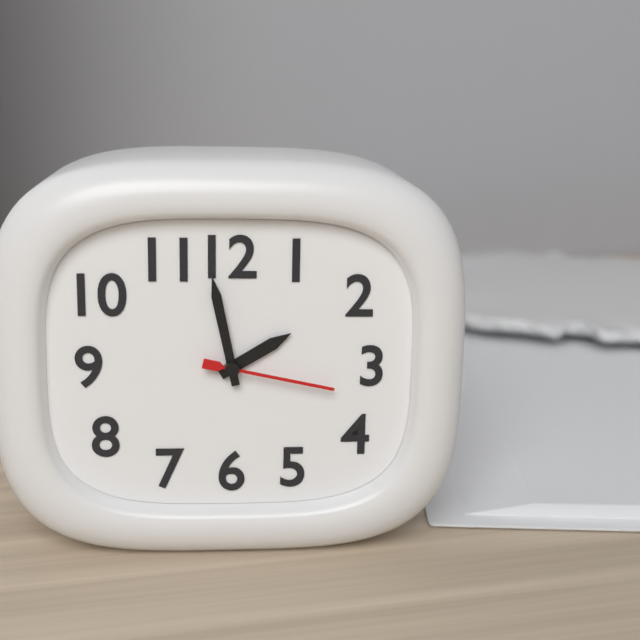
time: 1:58:17
